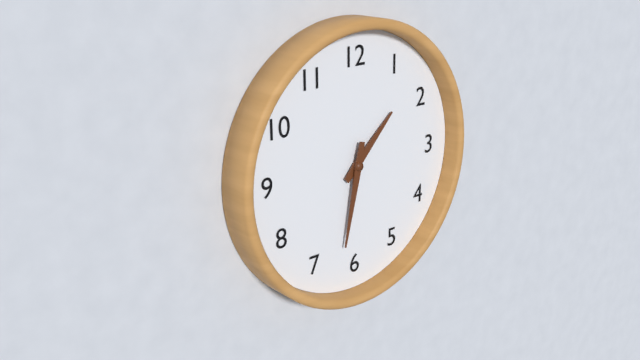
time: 1:32
